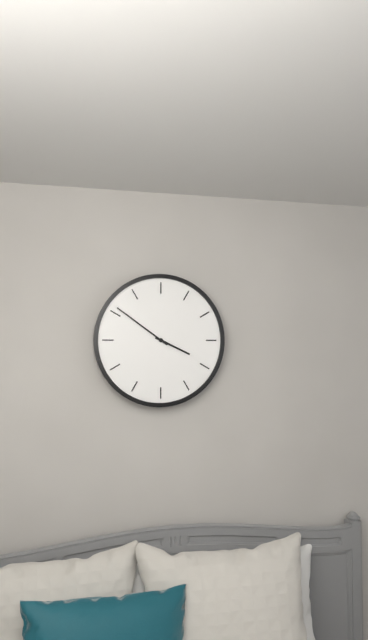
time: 3:51
